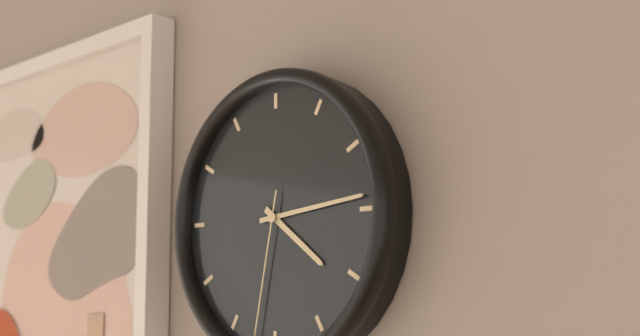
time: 4:14
